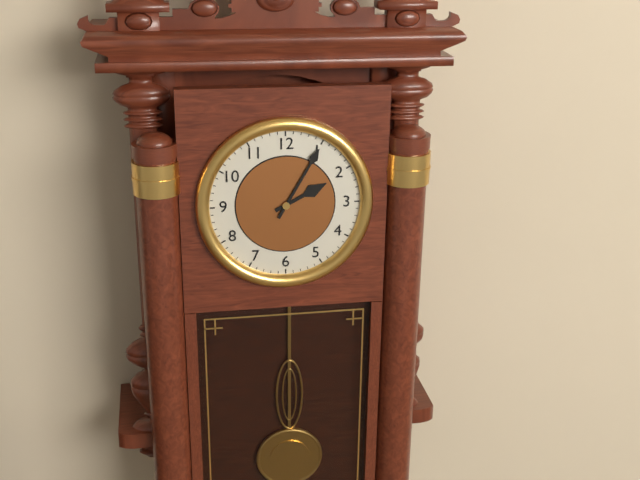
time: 2:05
